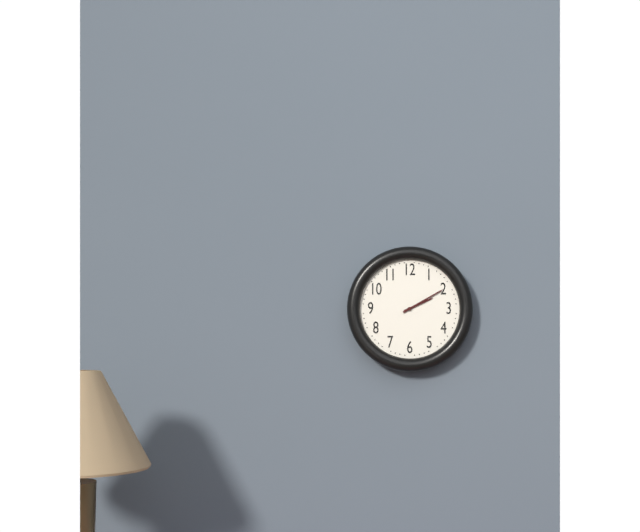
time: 2:10
